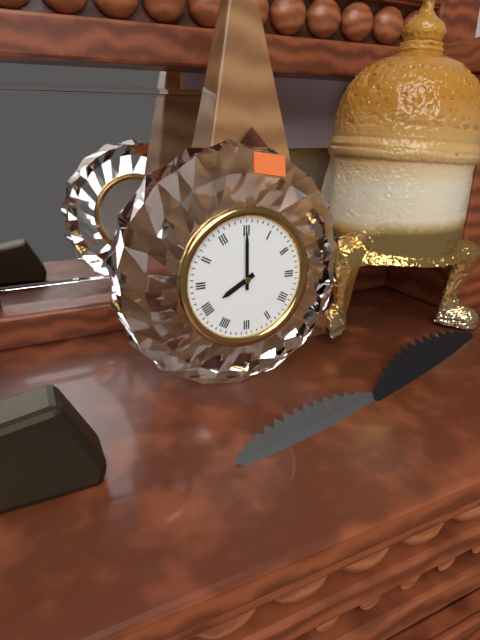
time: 8:00
